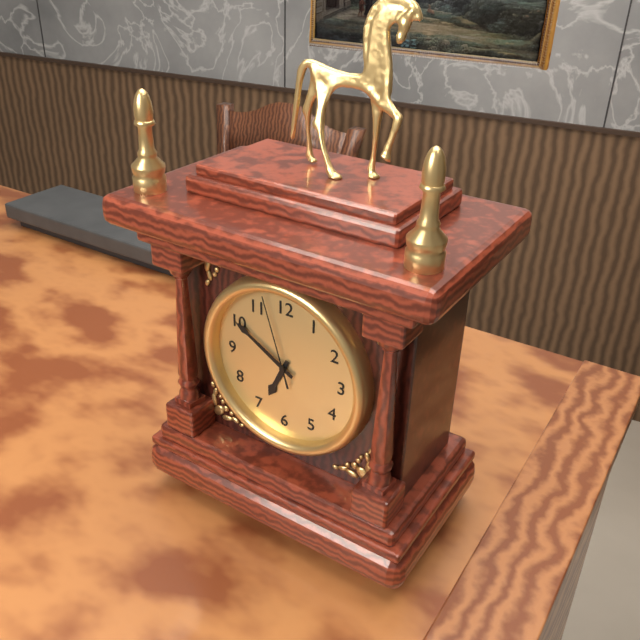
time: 6:50:57
